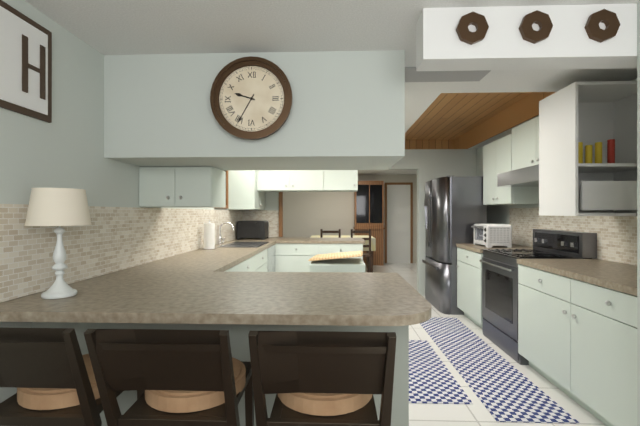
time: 9:35
